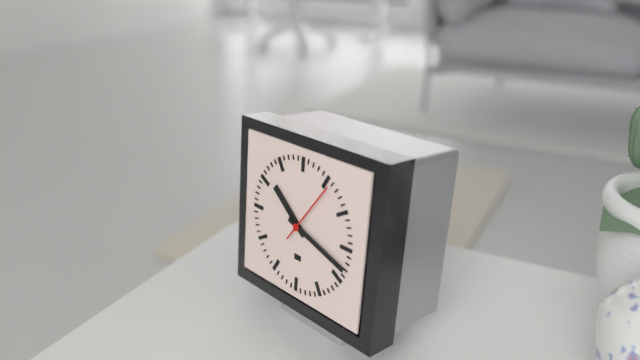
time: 10:18:06
